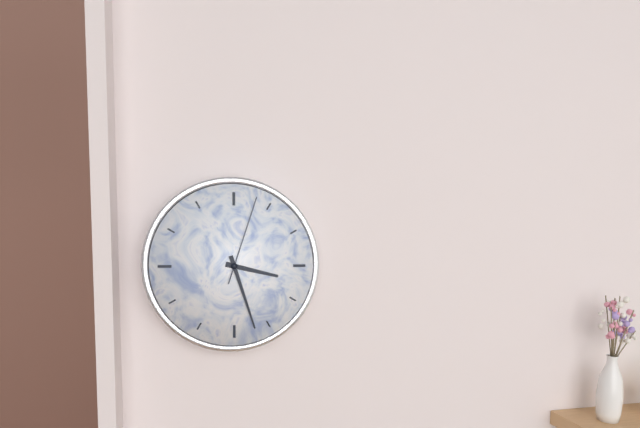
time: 3:27:03
